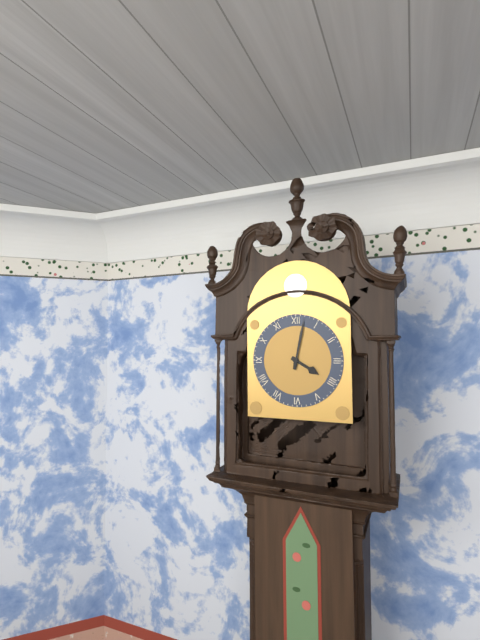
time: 4:02
